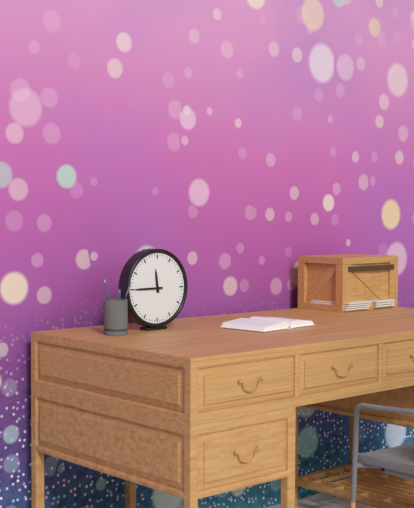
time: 11:45
